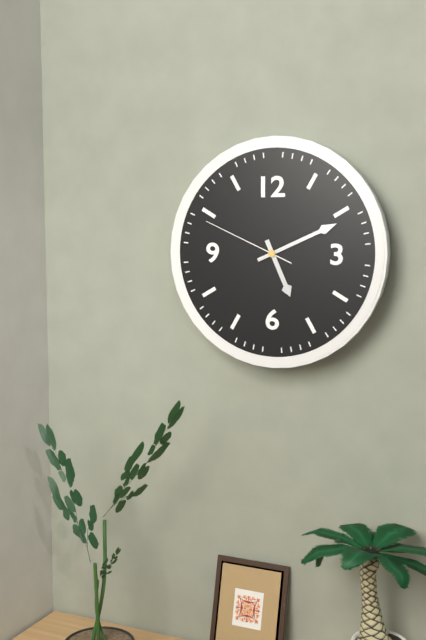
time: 5:11:49
